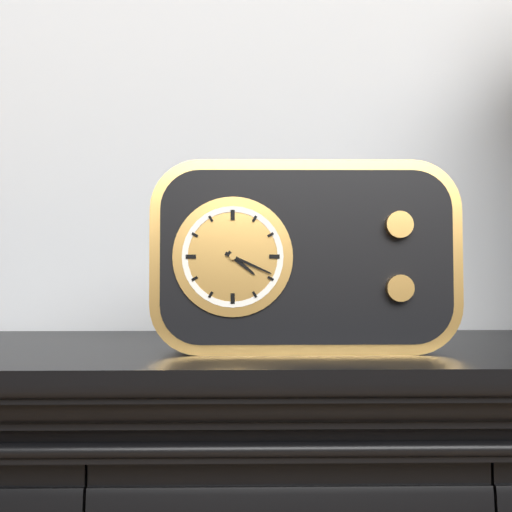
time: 4:19
